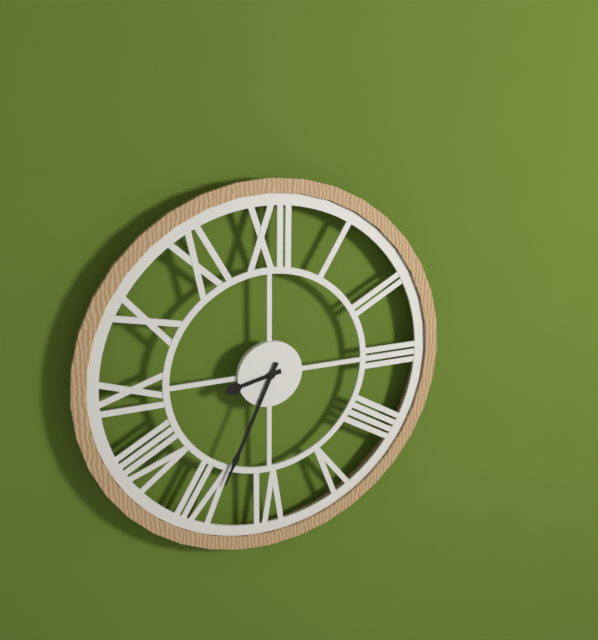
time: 8:34
